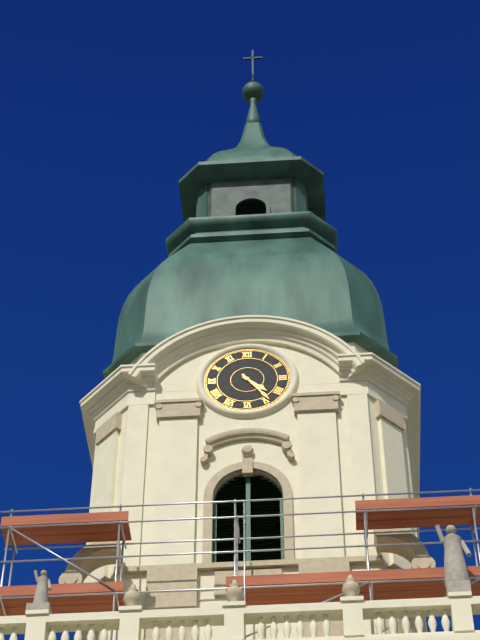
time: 4:24
